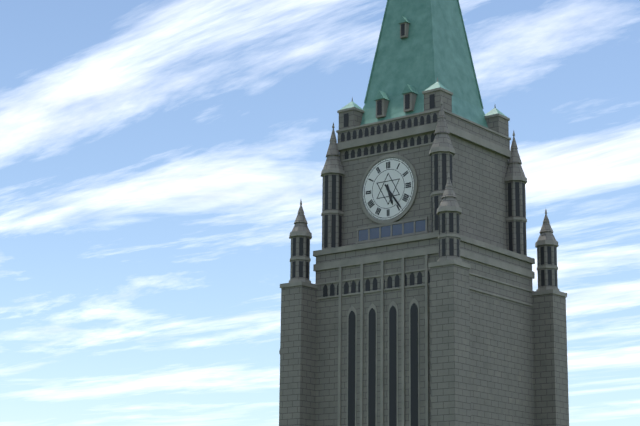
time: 5:24
